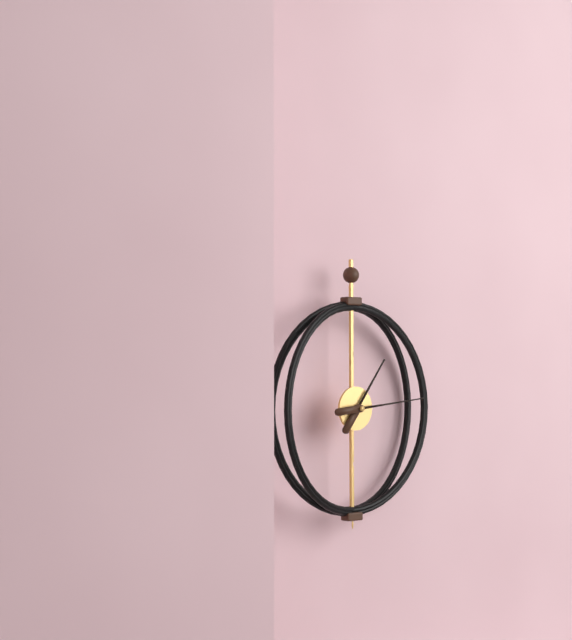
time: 1:14
